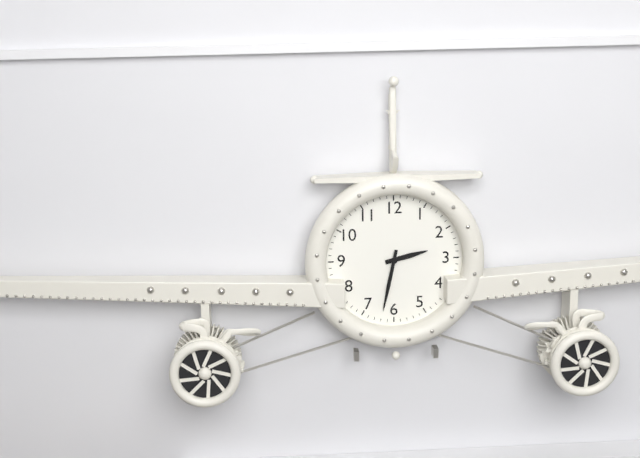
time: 2:32
